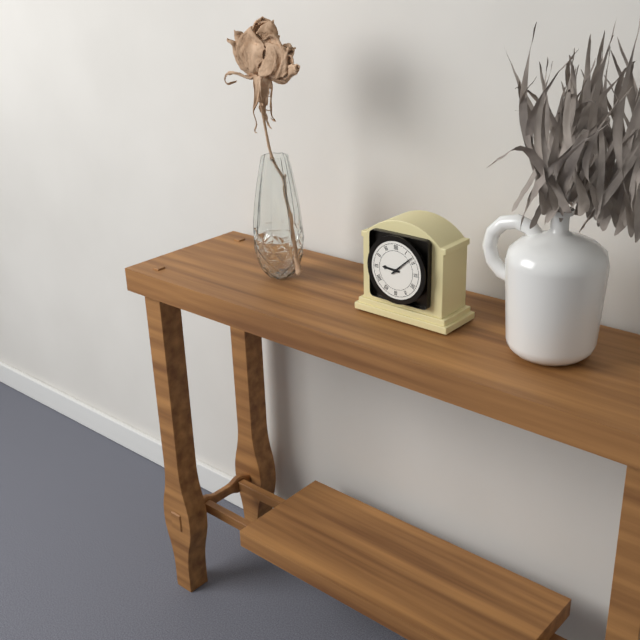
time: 9:08
